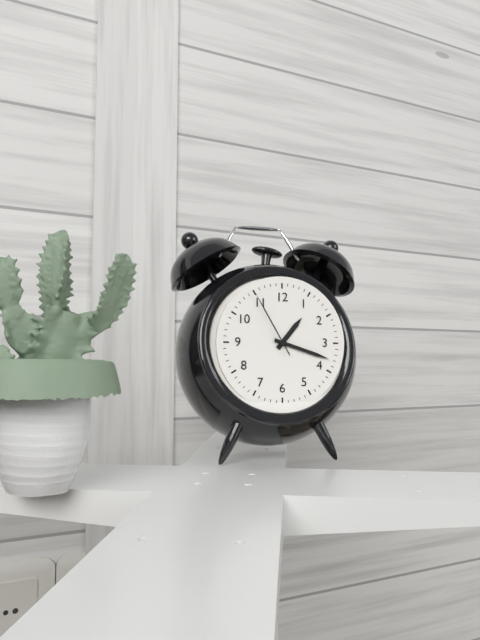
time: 1:18:55
